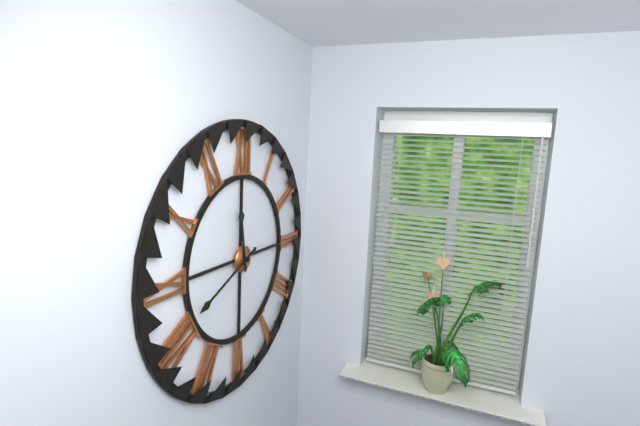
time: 11:41
